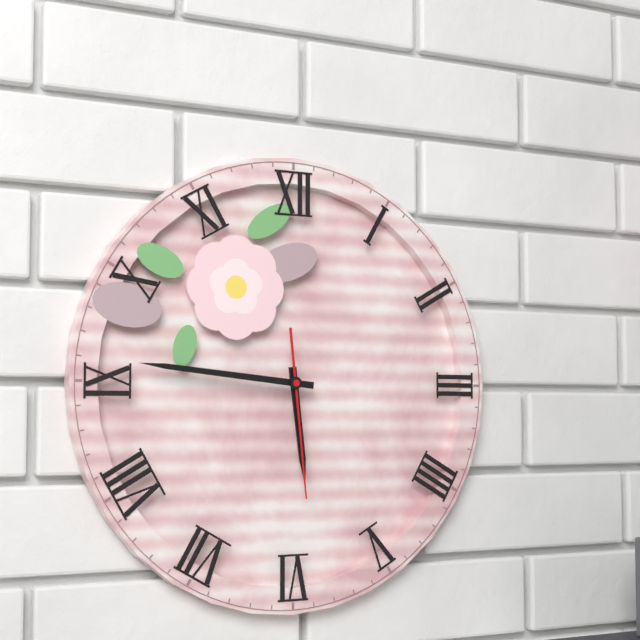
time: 5:46:29
